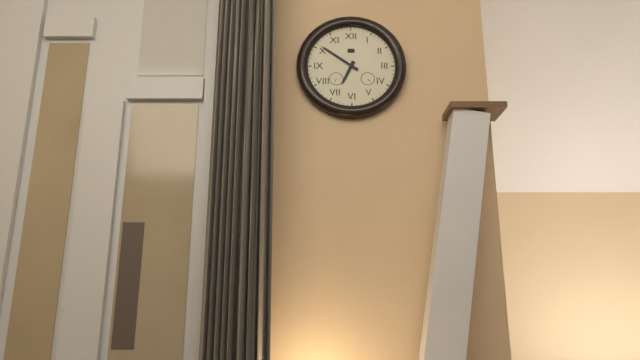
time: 6:51
